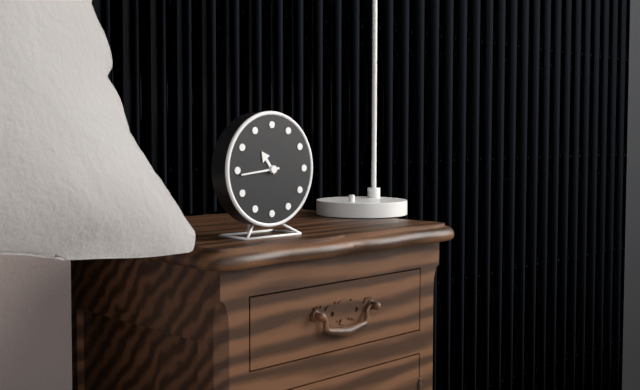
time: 10:44
